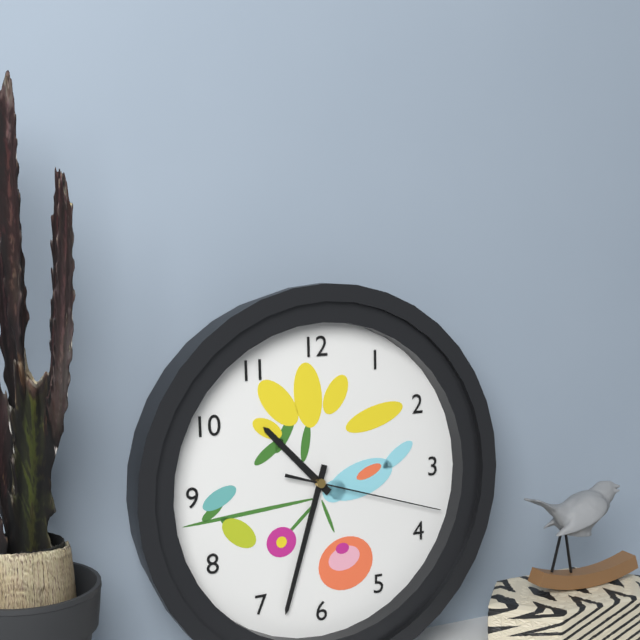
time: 10:33:18
